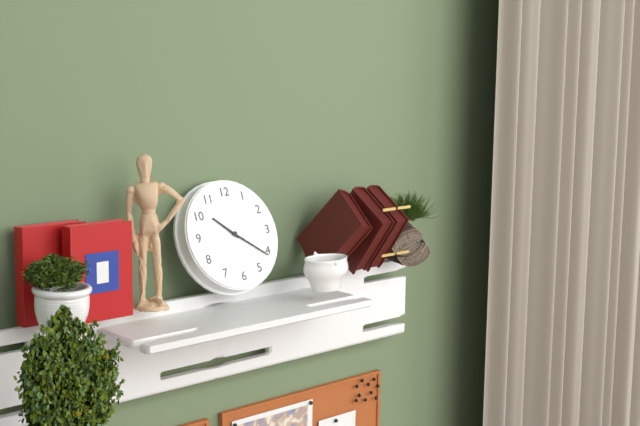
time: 10:21
